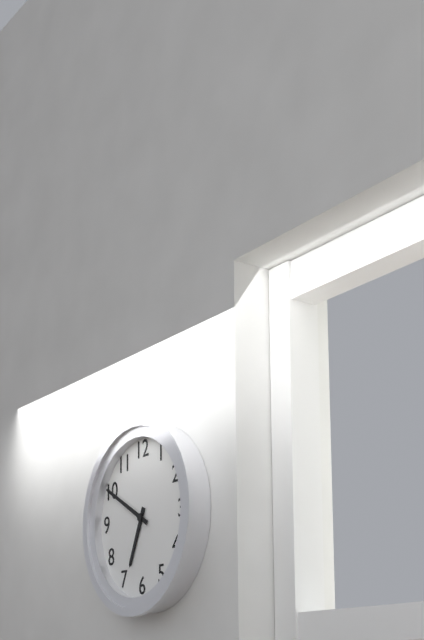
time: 6:50
